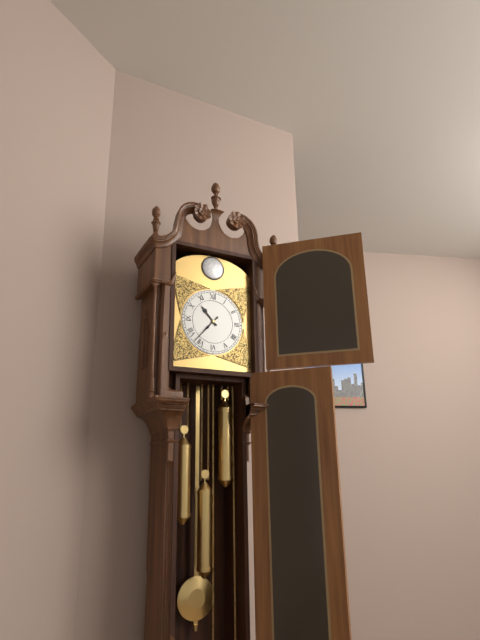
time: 10:37
